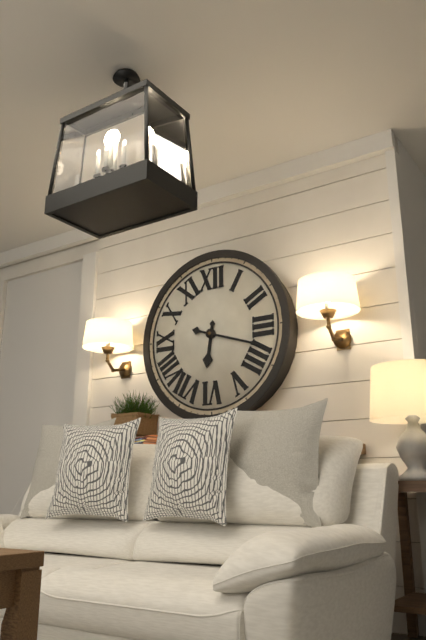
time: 6:18
